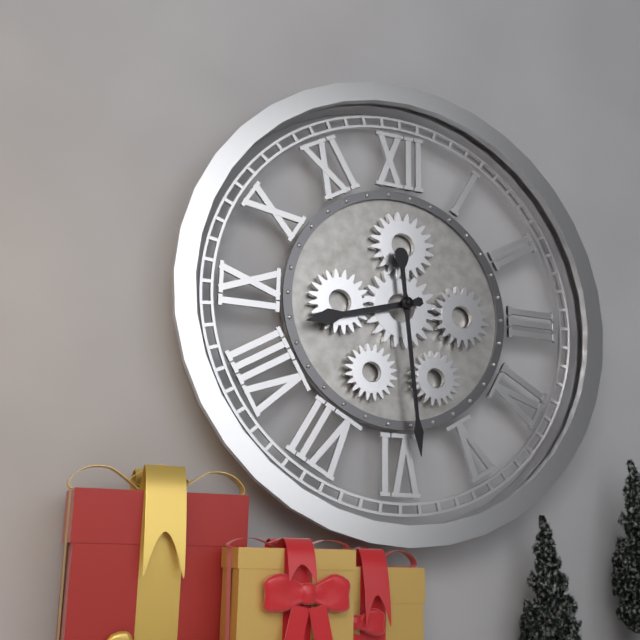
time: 8:29
